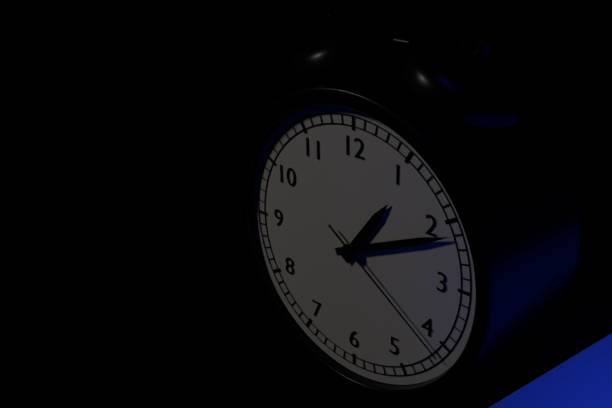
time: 1:11:21
